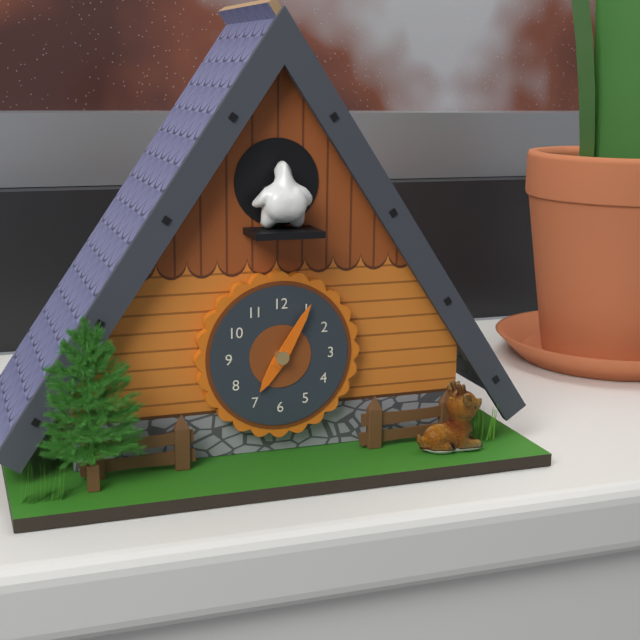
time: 7:05
